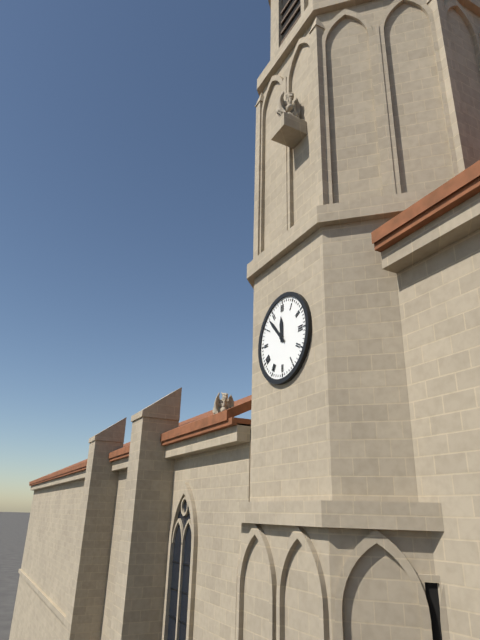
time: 11:53
